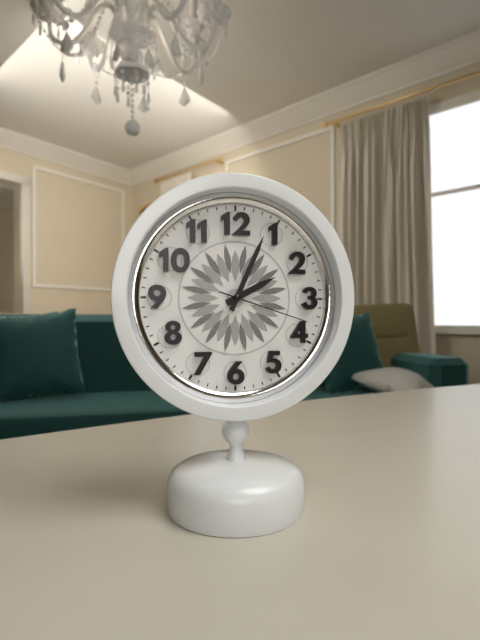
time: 2:04:18
